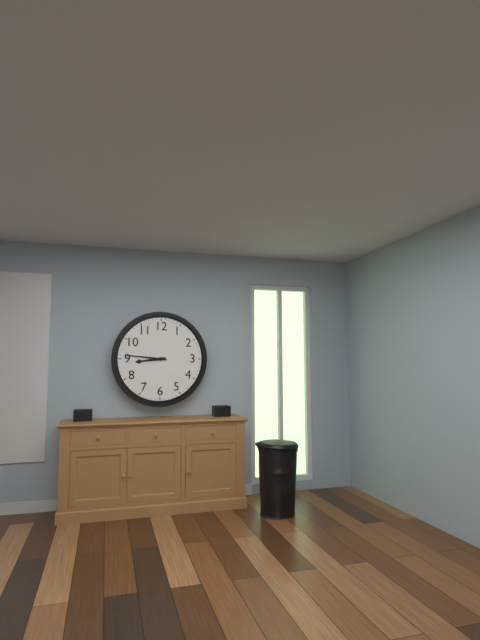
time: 8:46
